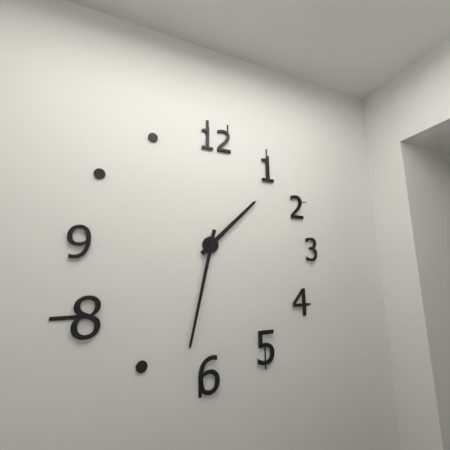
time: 1:32
